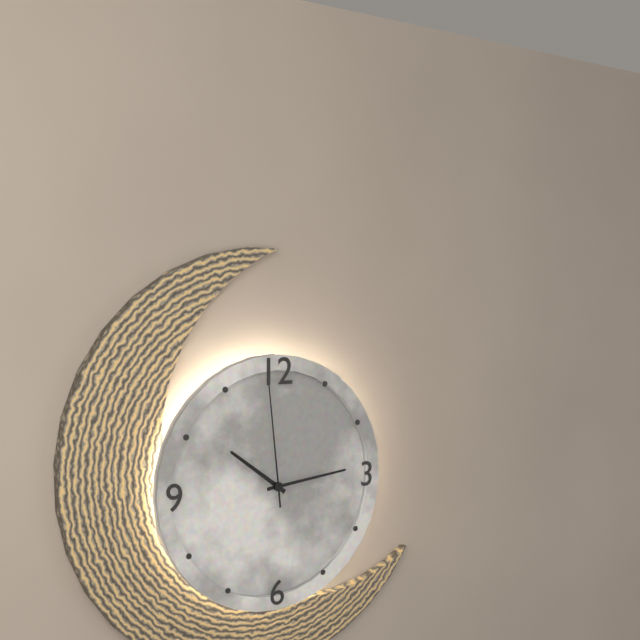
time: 10:14:59
